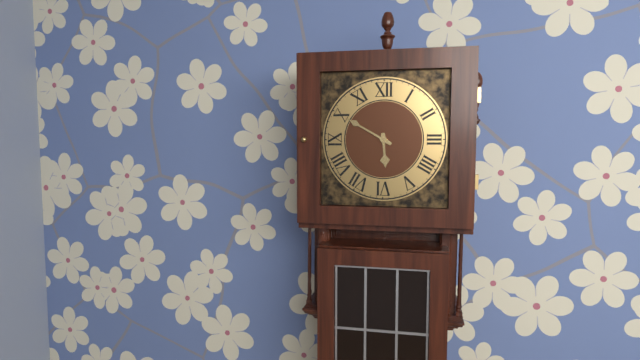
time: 5:50
